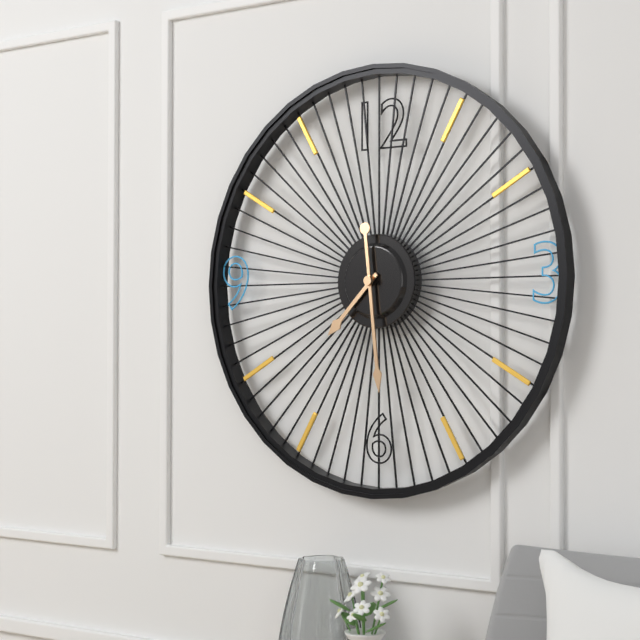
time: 7:29
